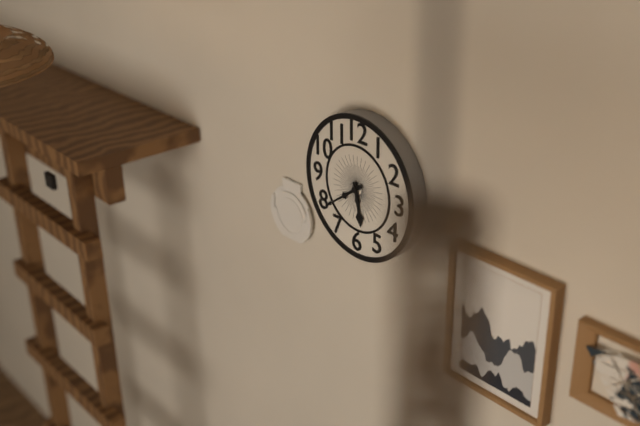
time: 5:39
